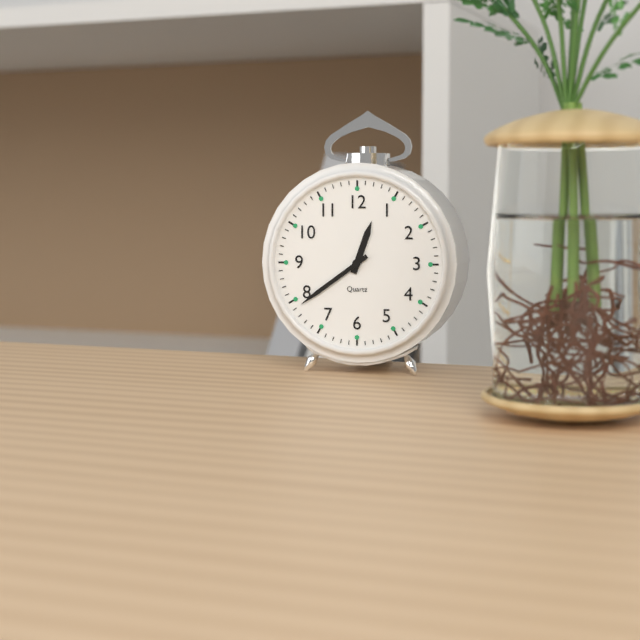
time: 12:39
